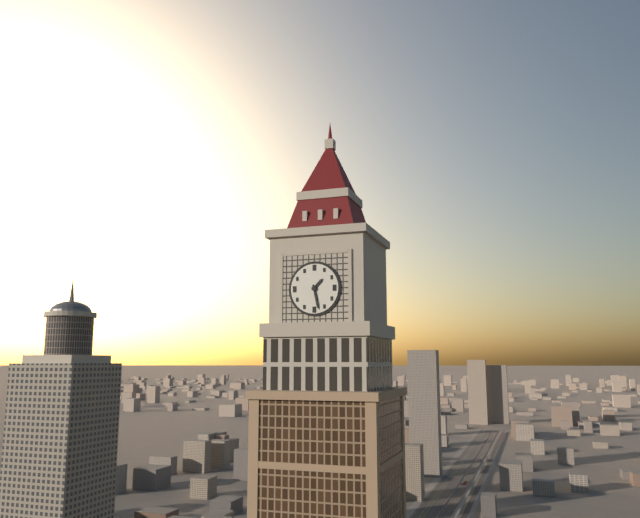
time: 1:28
